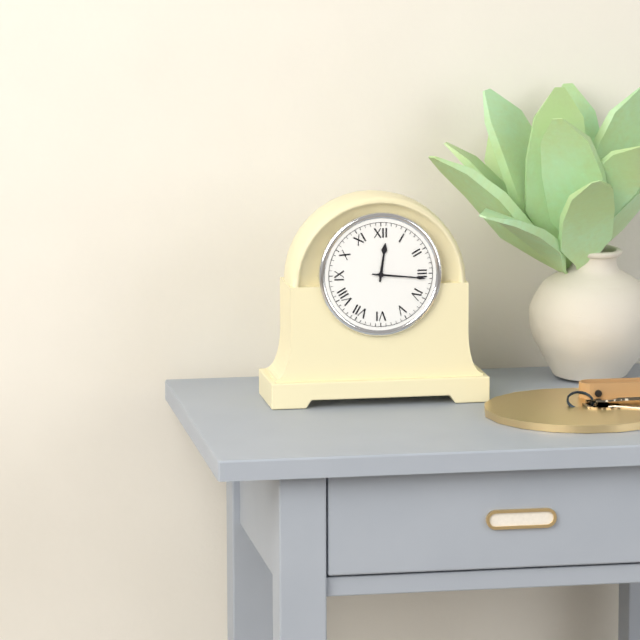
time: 12:16
